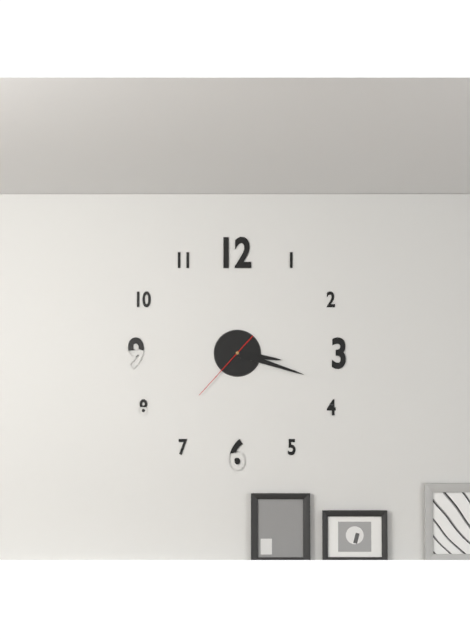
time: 3:18:37
